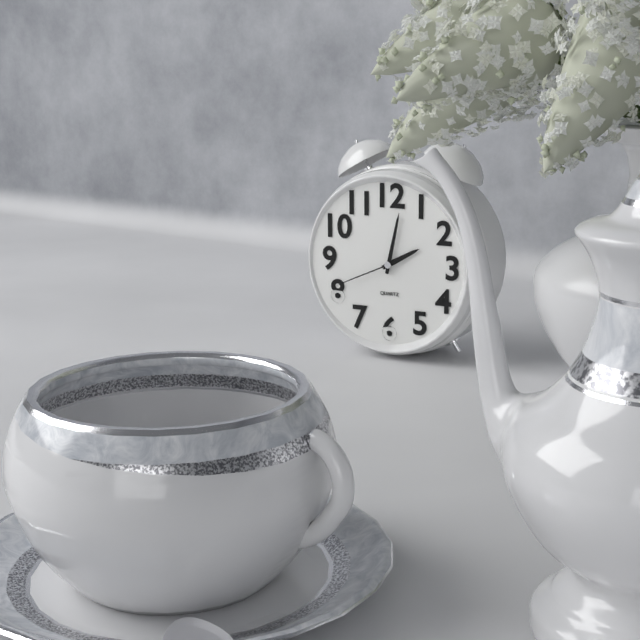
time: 2:02:41
